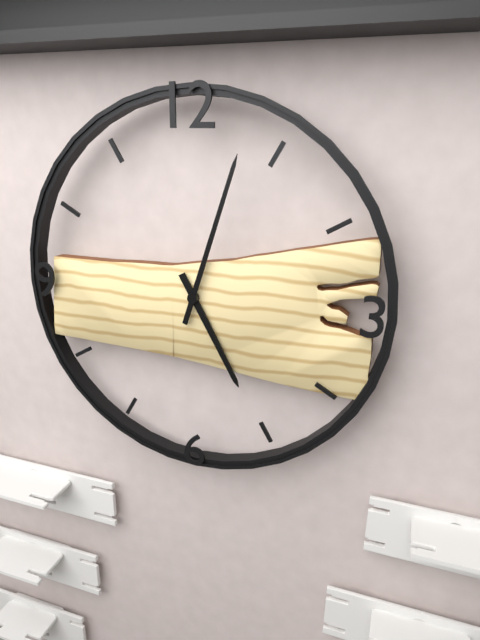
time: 5:03
